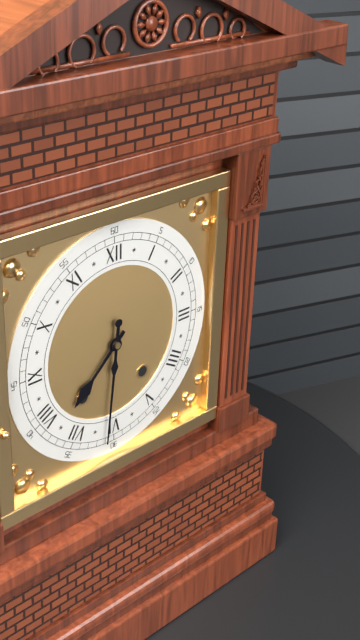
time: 7:31
